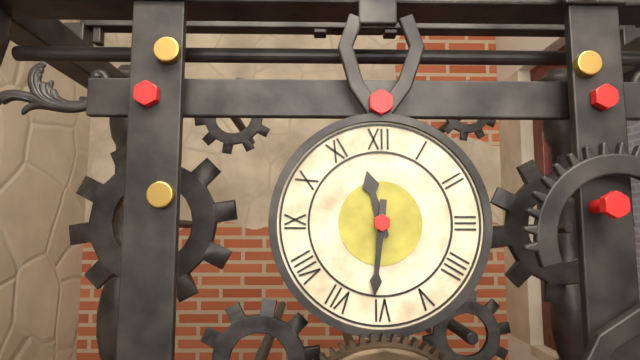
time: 11:31
